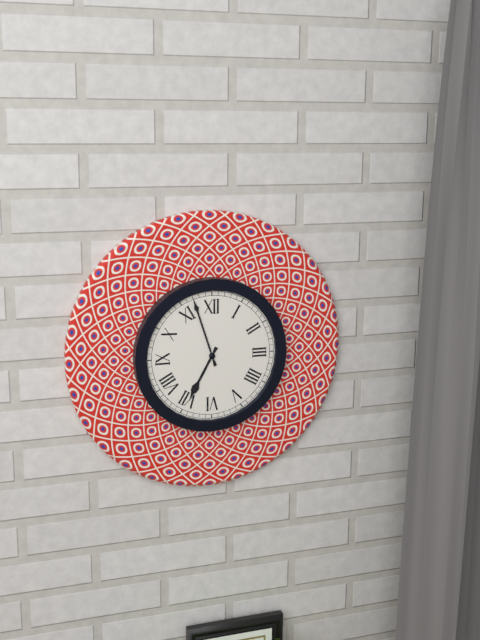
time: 6:57
